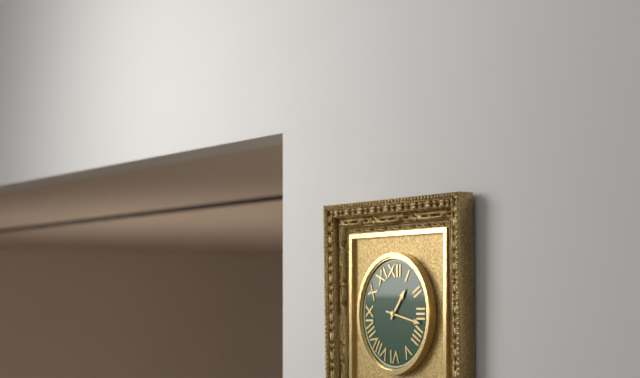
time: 1:17
